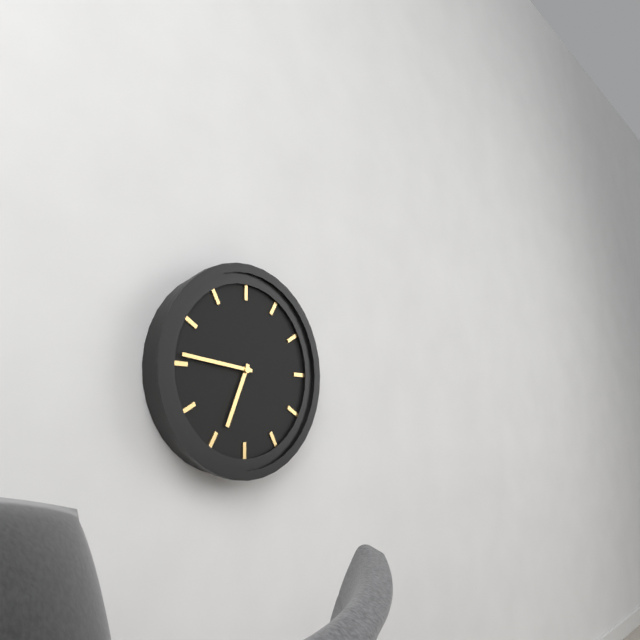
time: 6:46
